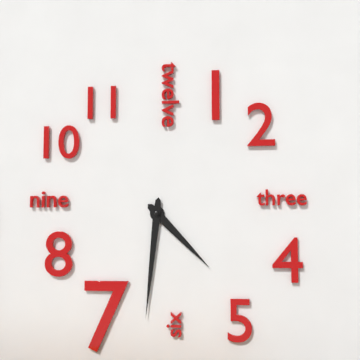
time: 4:31
